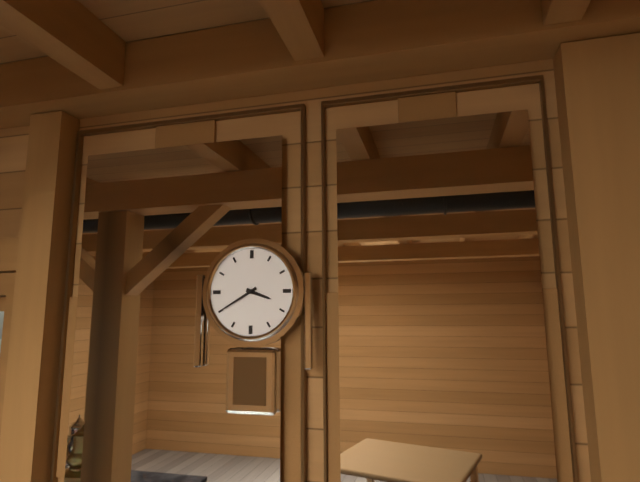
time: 3:40
